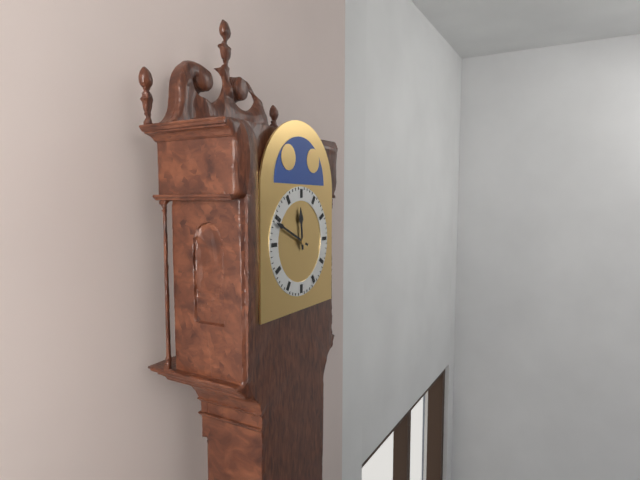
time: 11:49
